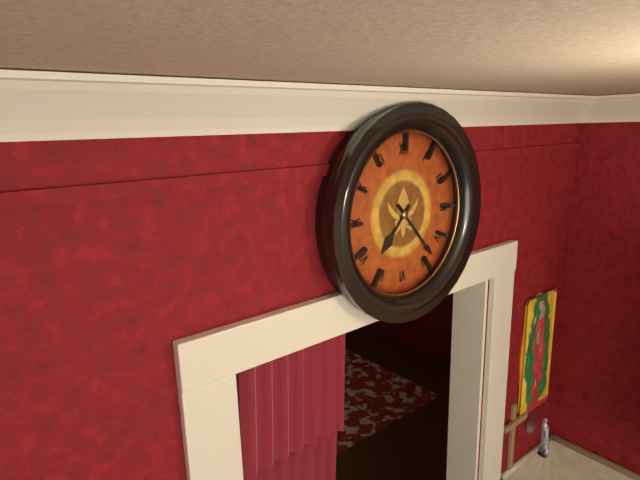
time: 7:23
